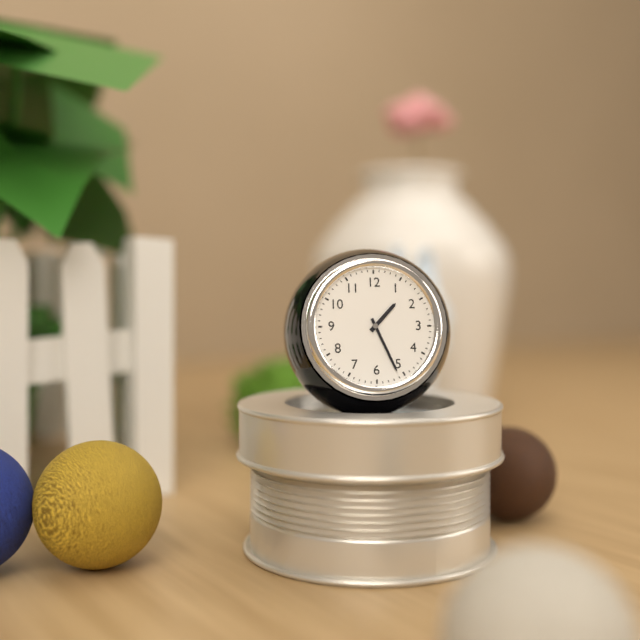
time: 1:26
